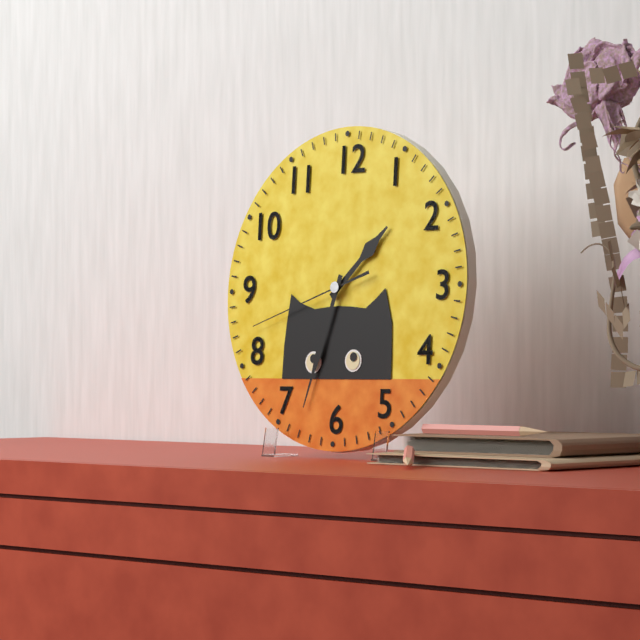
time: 1:33:42
